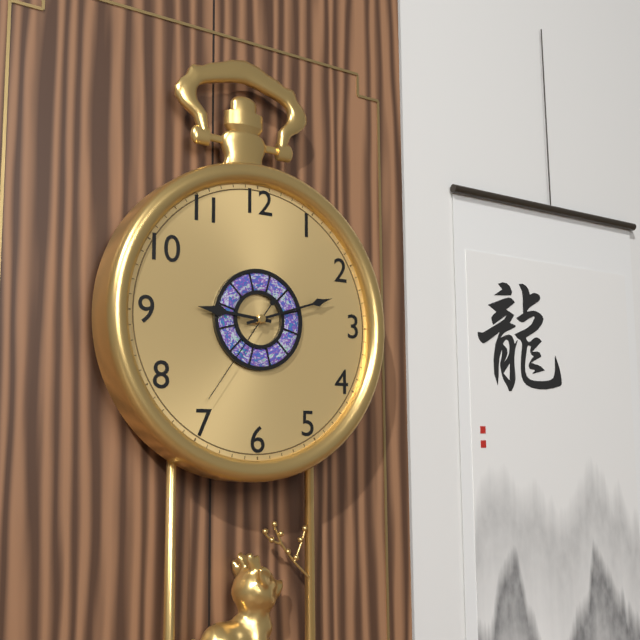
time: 9:12:36
